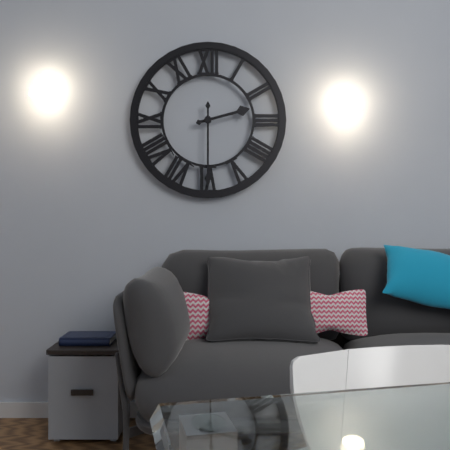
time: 2:30
